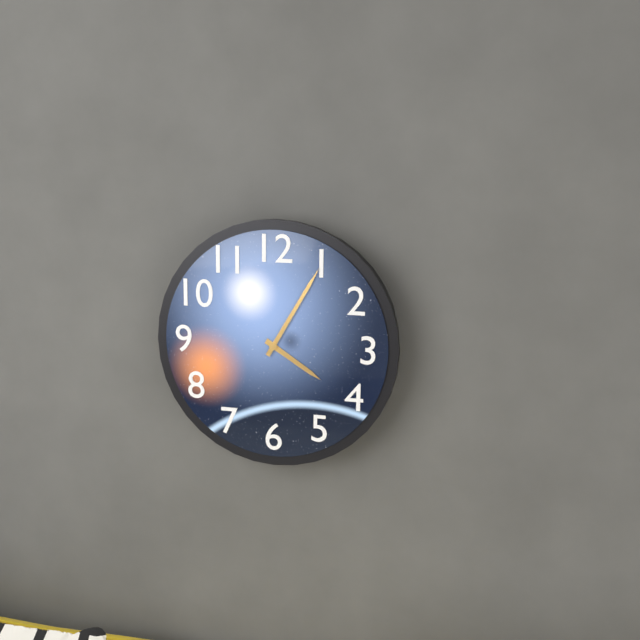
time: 4:05
